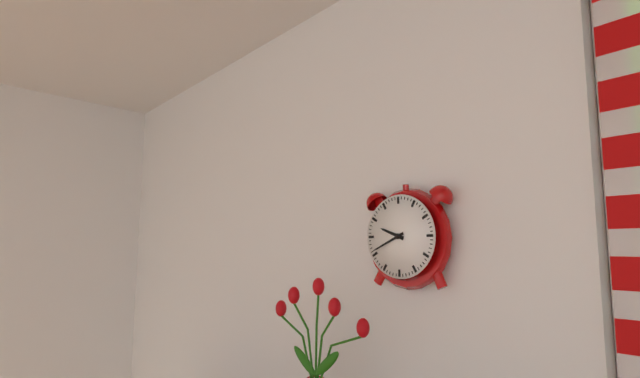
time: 9:41
